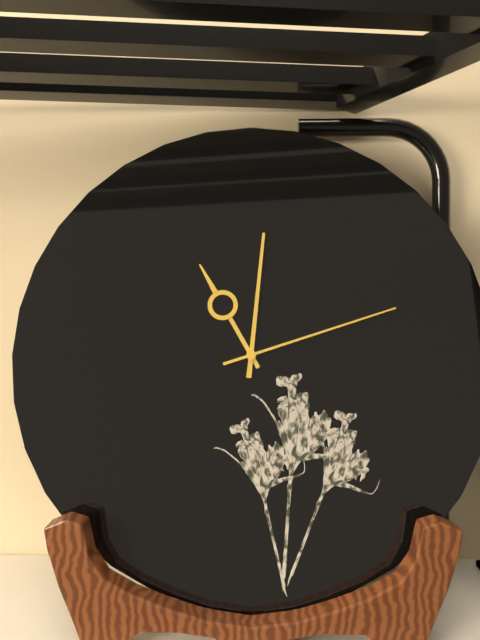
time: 11:01:12
